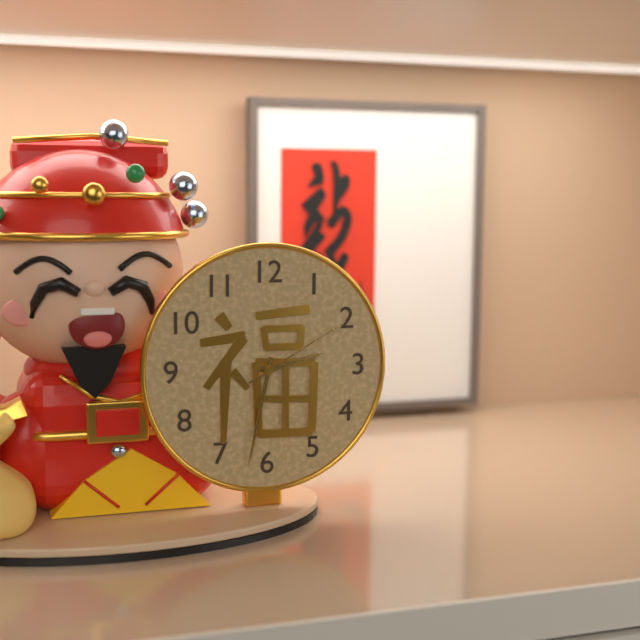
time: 2:32:10
